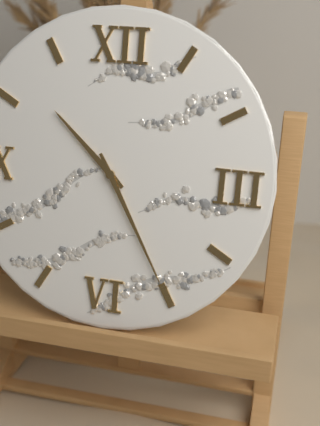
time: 10:25
